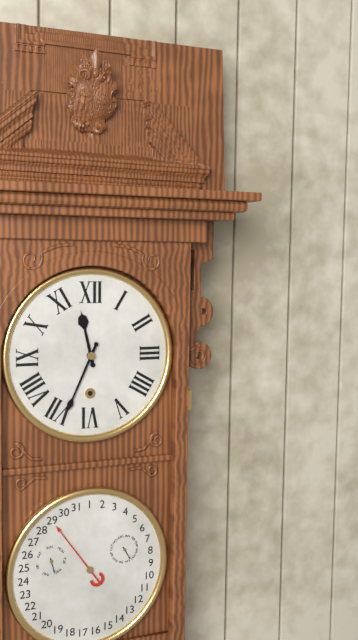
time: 11:34
